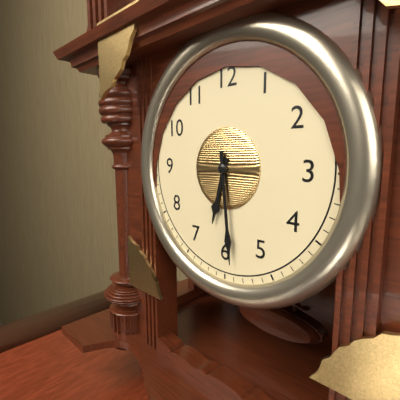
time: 6:29
